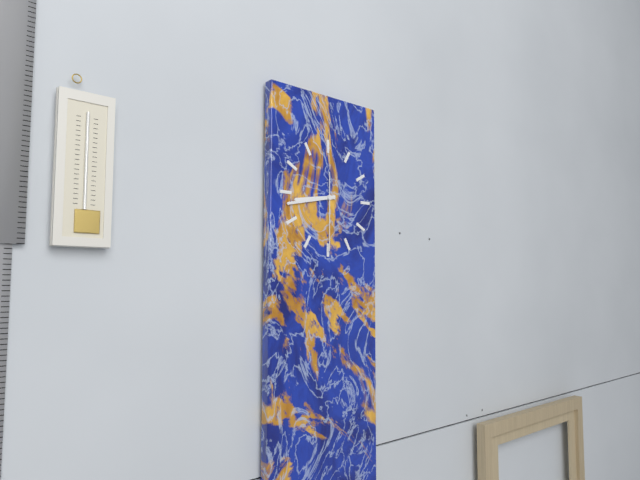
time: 8:43:30
